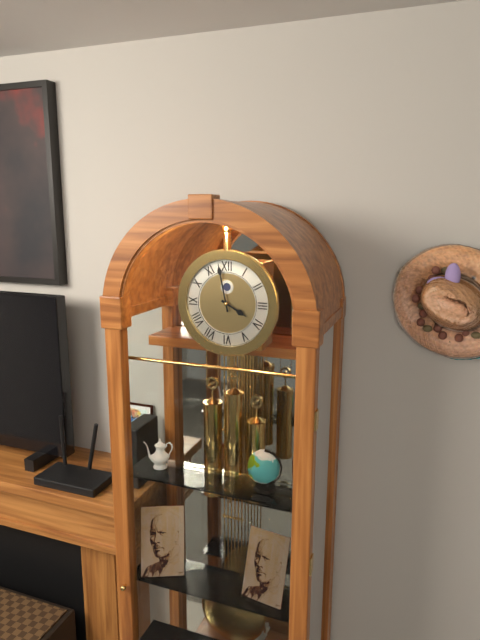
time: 3:58
